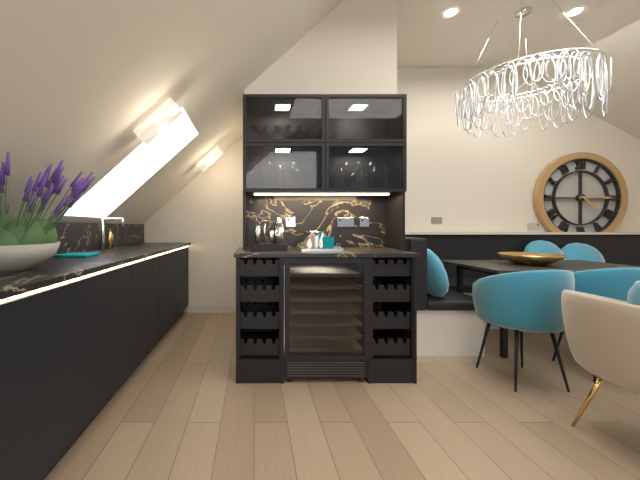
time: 4:15
